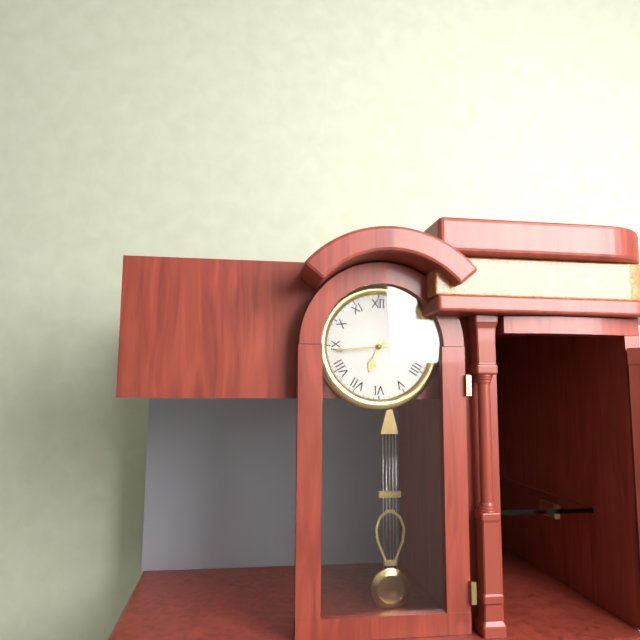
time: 6:44
